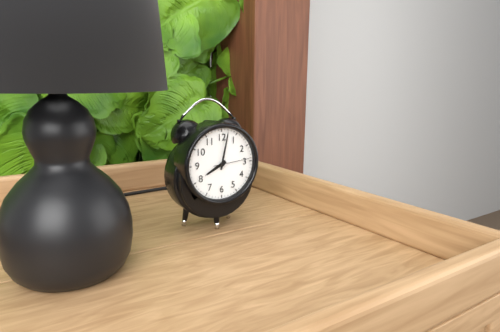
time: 8:02
